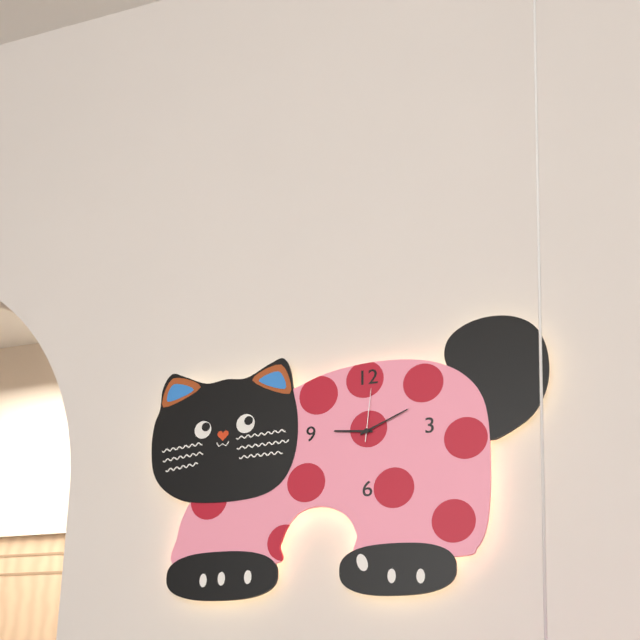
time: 9:11:01
